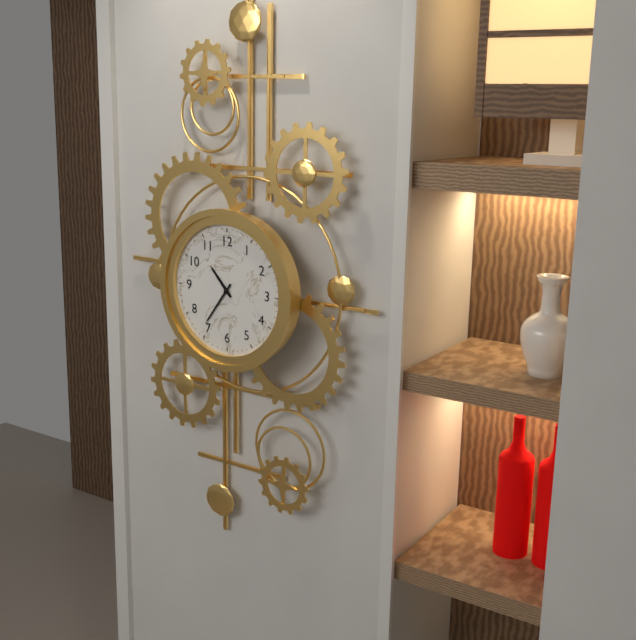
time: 10:36
